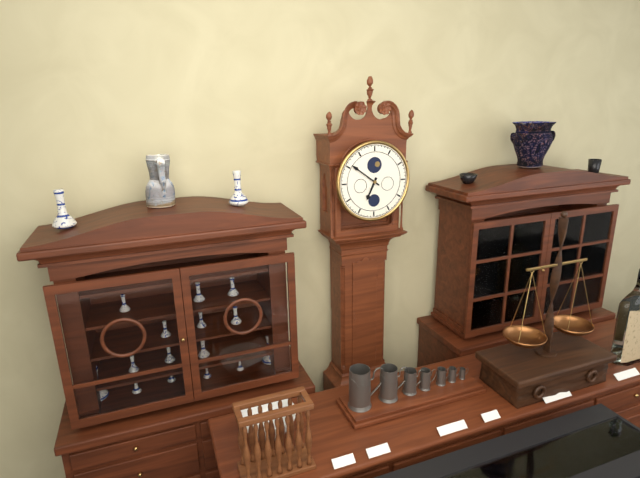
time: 6:51
